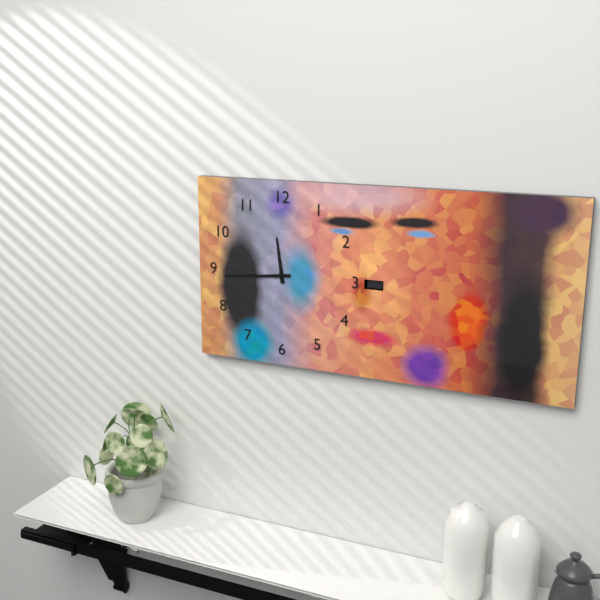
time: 11:44
